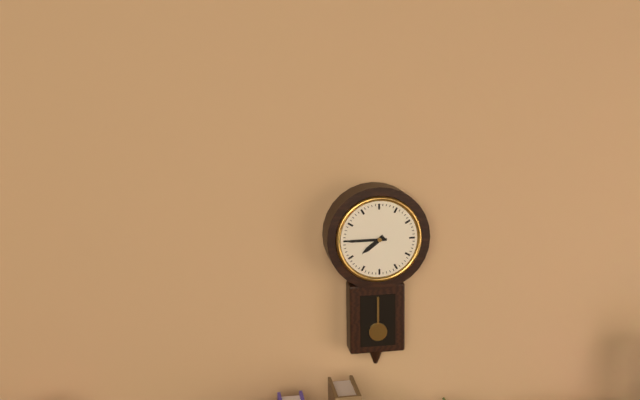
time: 7:45
